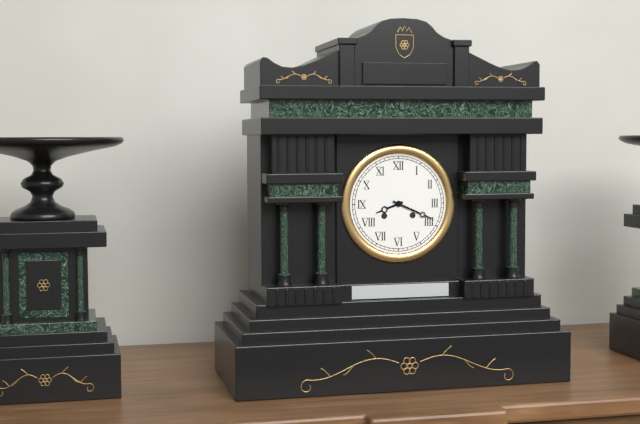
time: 8:19
